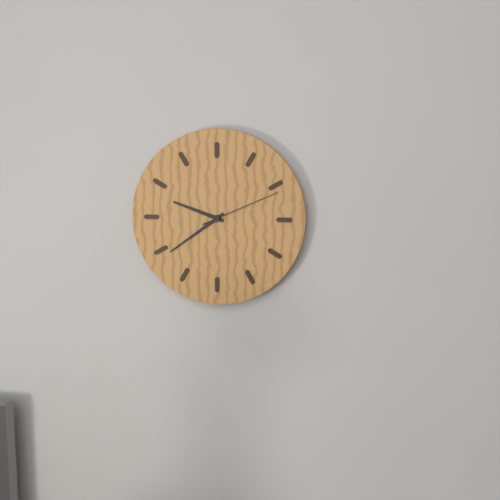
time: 9:39:11
